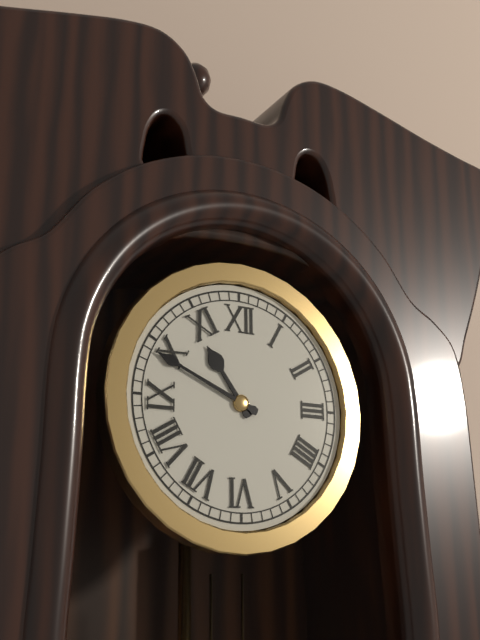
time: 10:49
